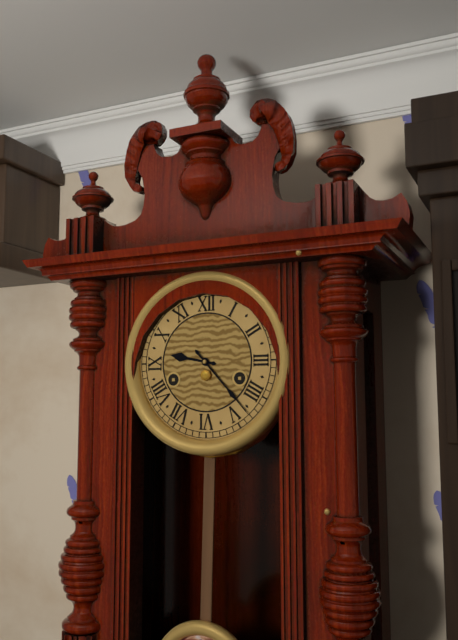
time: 9:23
